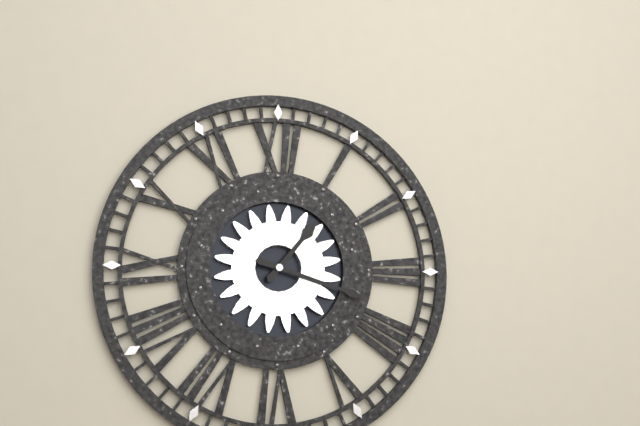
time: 1:18
